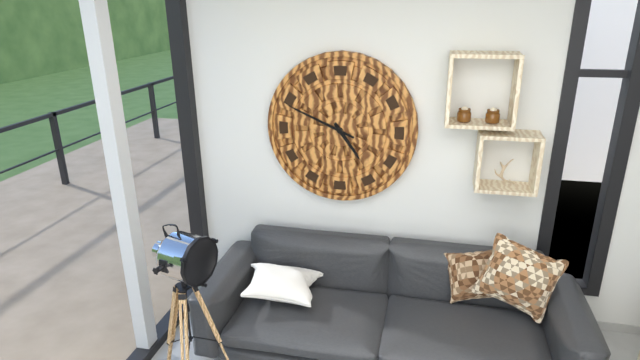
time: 4:49
